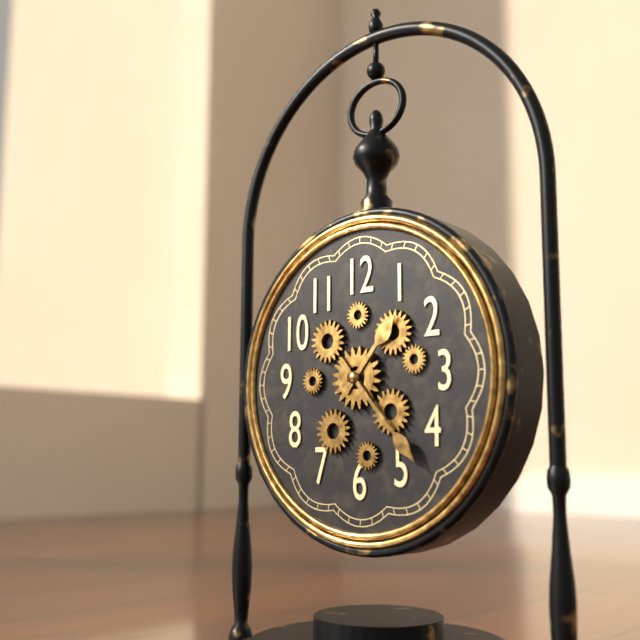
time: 1:23
